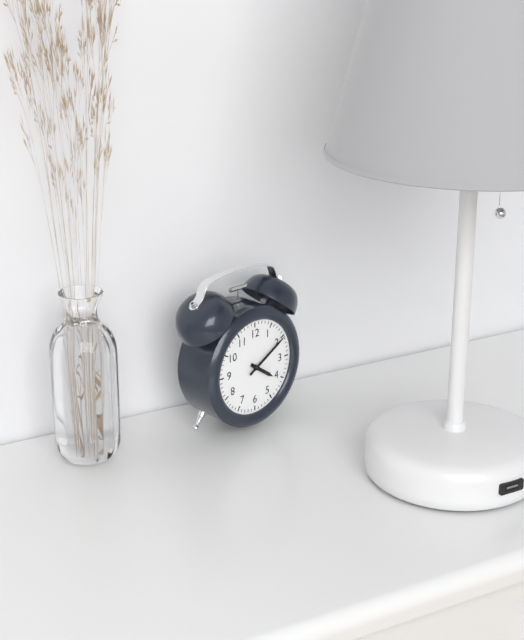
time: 4:10
